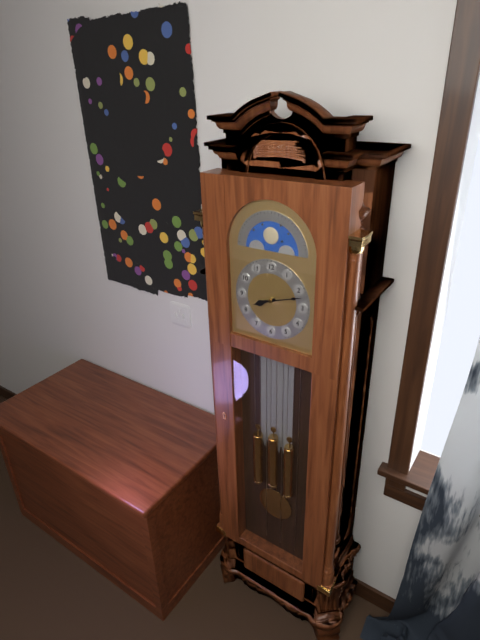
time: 8:12
